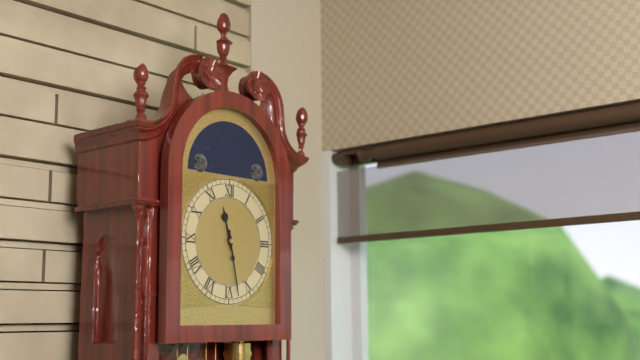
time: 11:28
